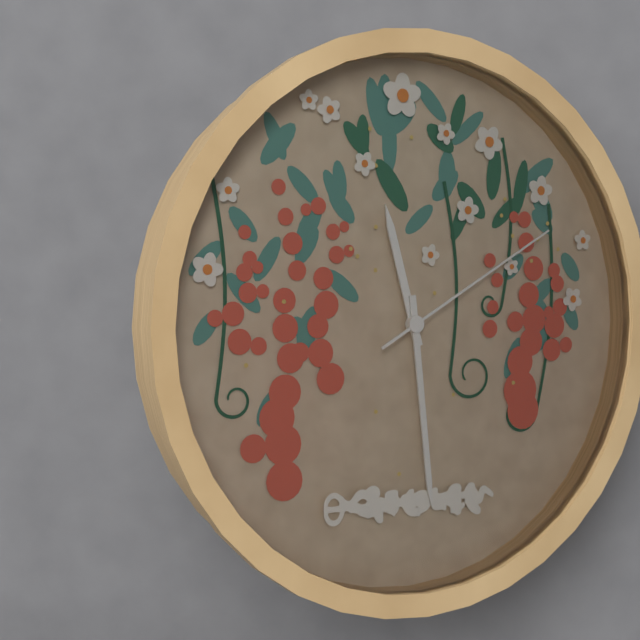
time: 11:29:10
